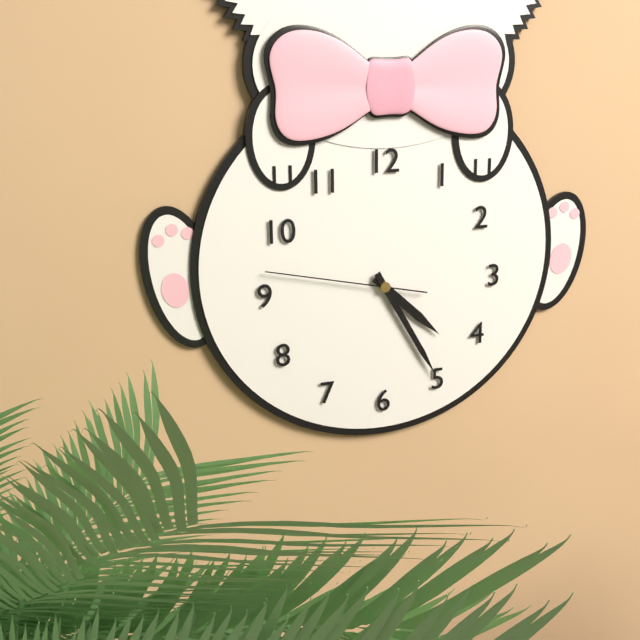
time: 4:25:47
